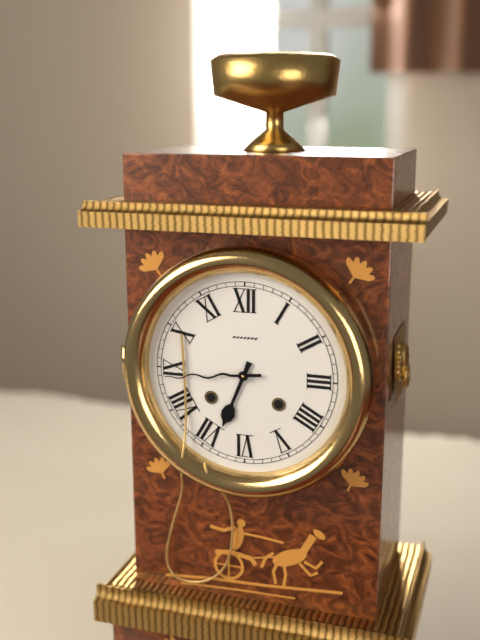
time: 6:44
